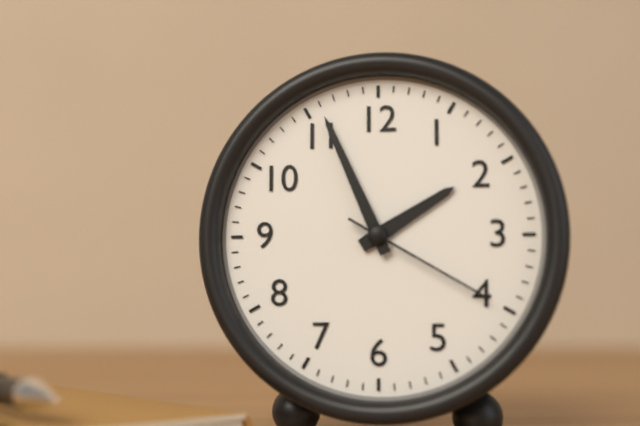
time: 1:56:20
